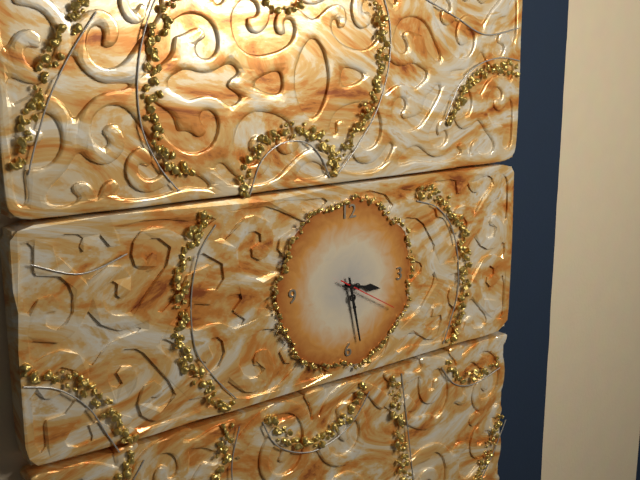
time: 3:28:20
